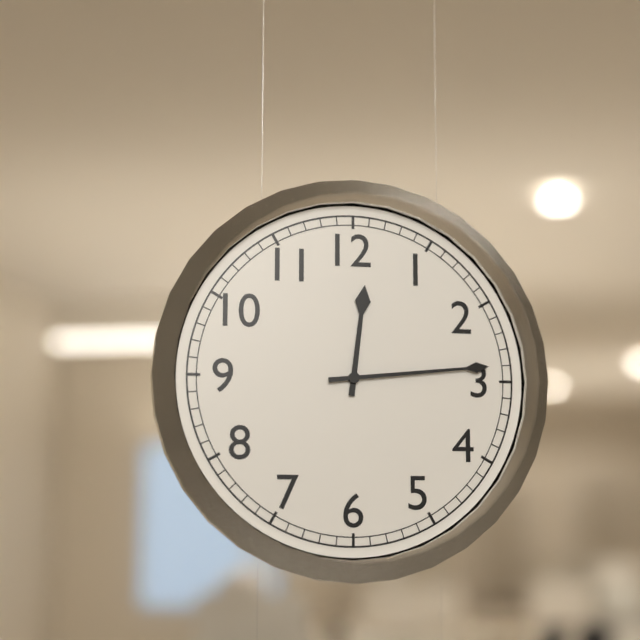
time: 12:14
